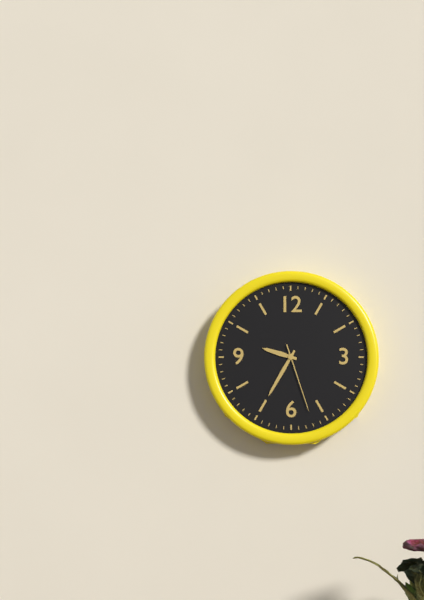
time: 9:35:27
